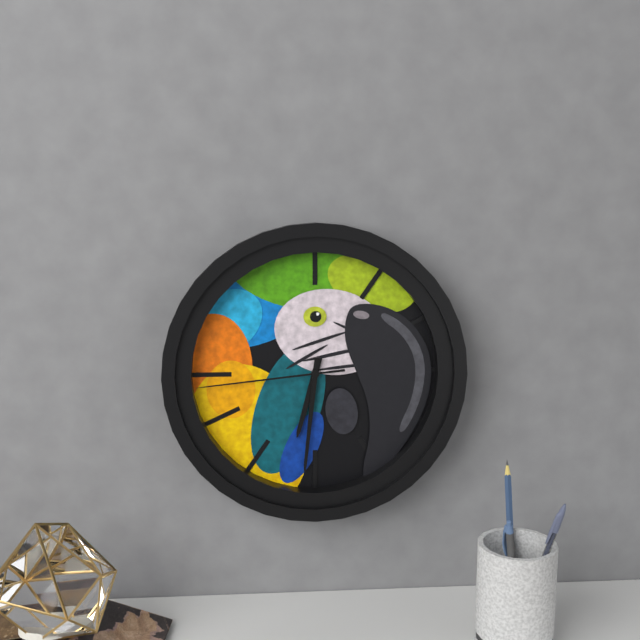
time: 6:31:44
